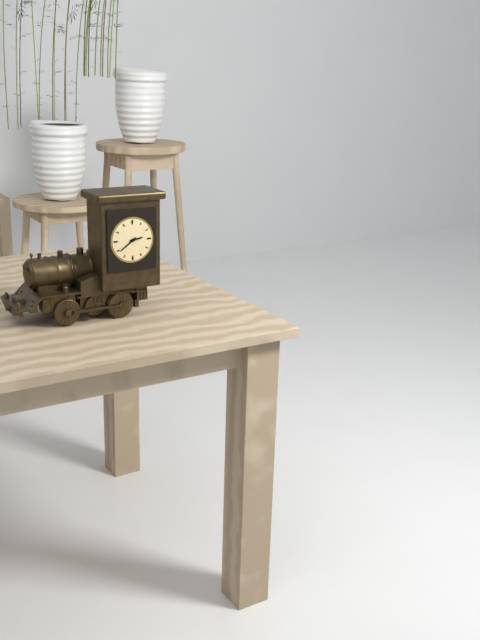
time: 2:39
